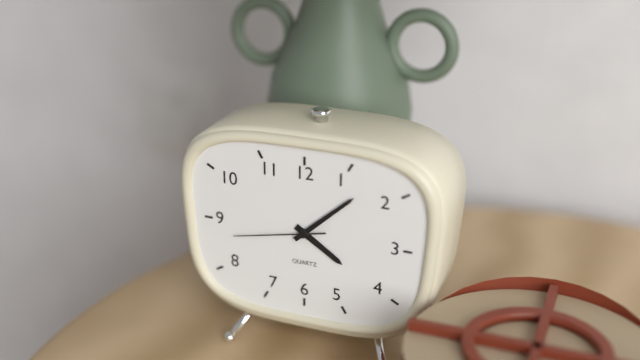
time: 4:08:43
